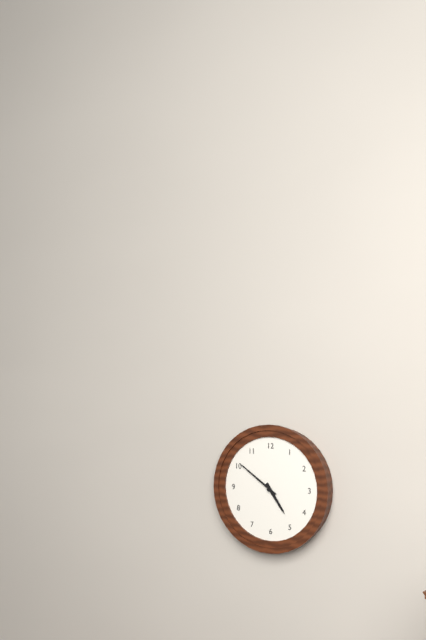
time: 4:51
